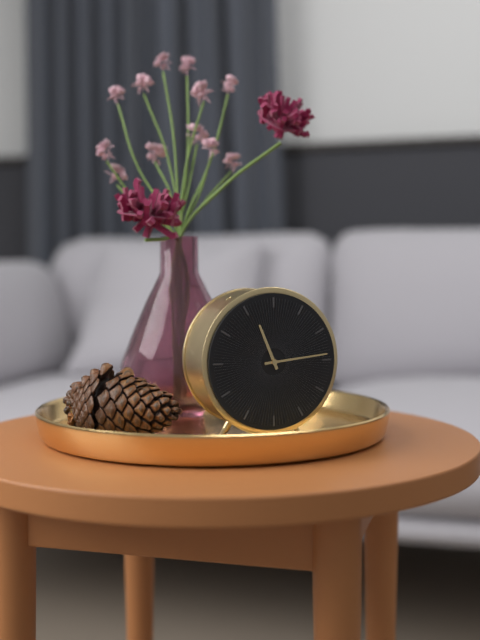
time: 11:14
